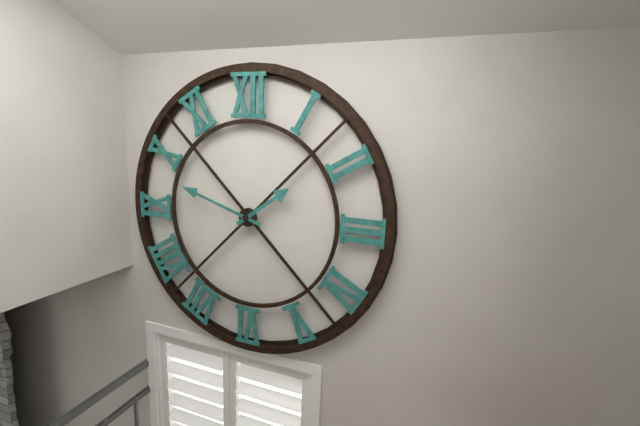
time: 1:48
